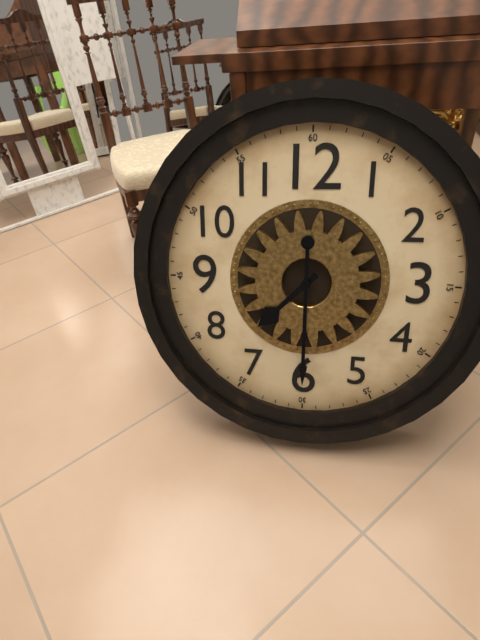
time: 7:30
